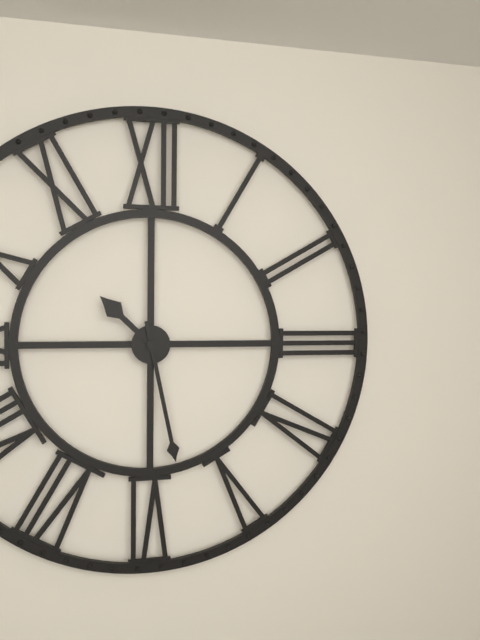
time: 10:28
